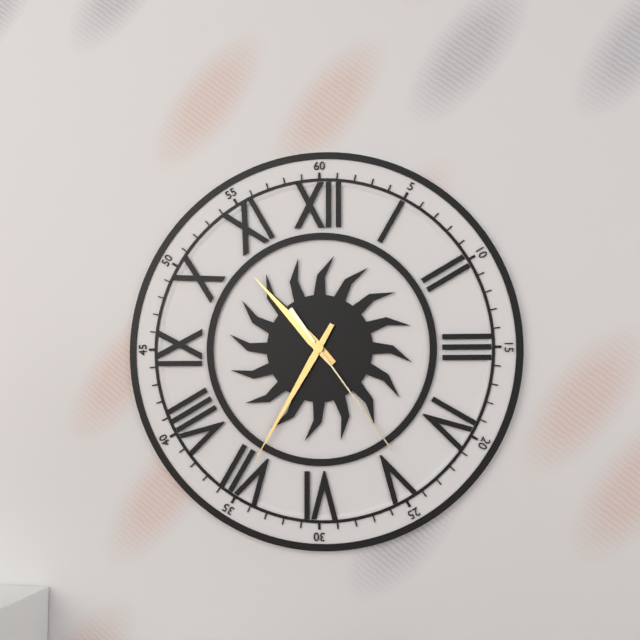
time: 10:35:24
